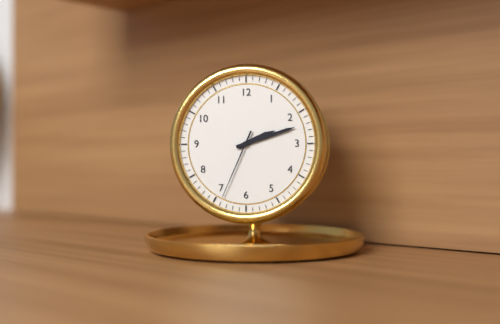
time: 2:12:34
